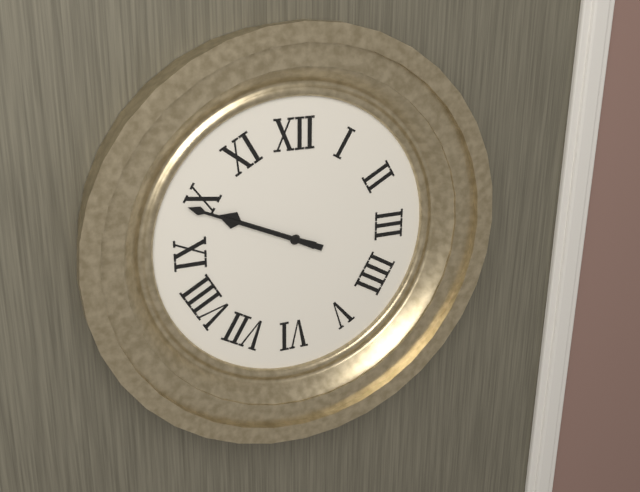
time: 9:49
